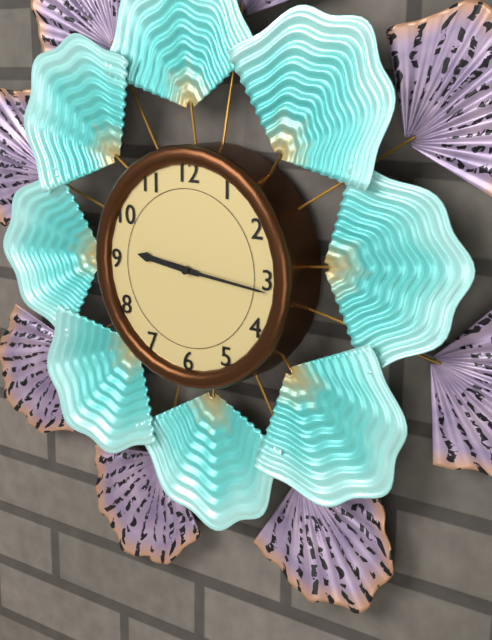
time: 9:16
